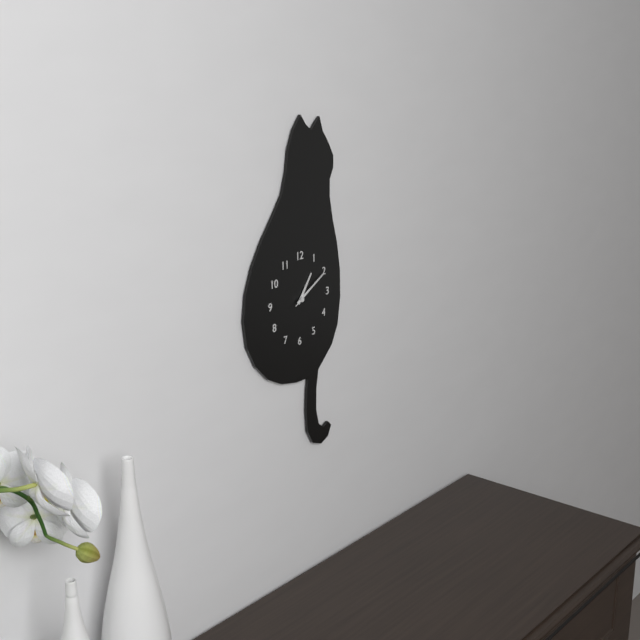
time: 1:10
